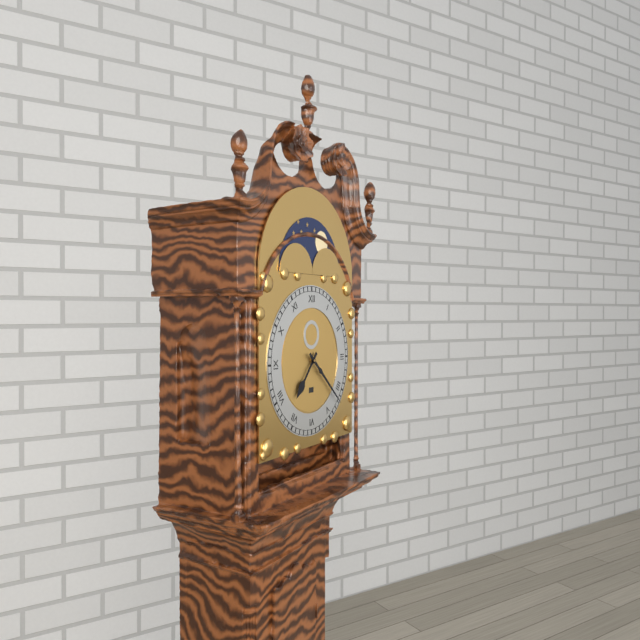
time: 7:22
